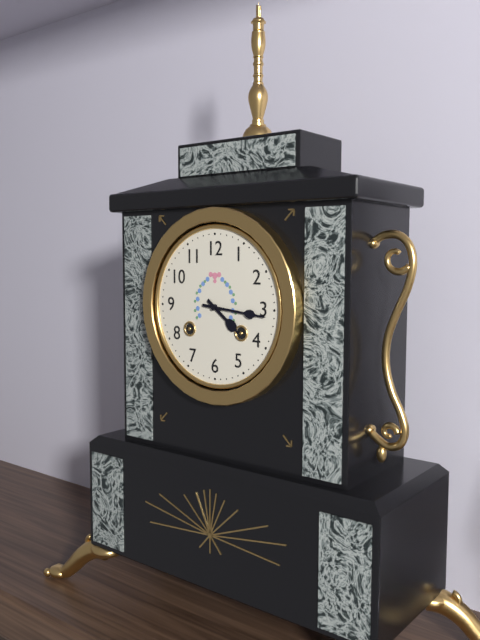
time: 4:16
